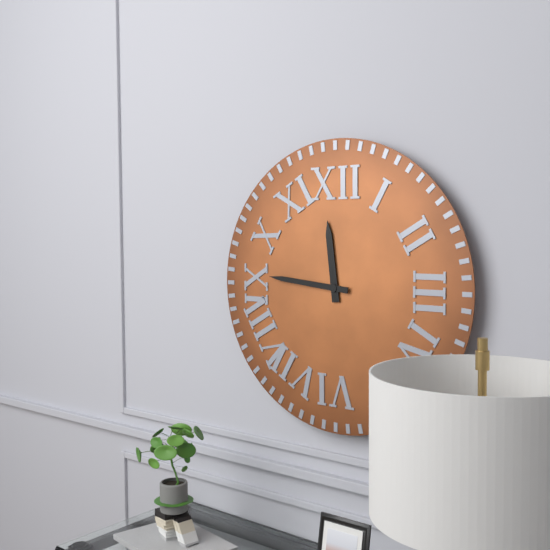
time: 11:46
